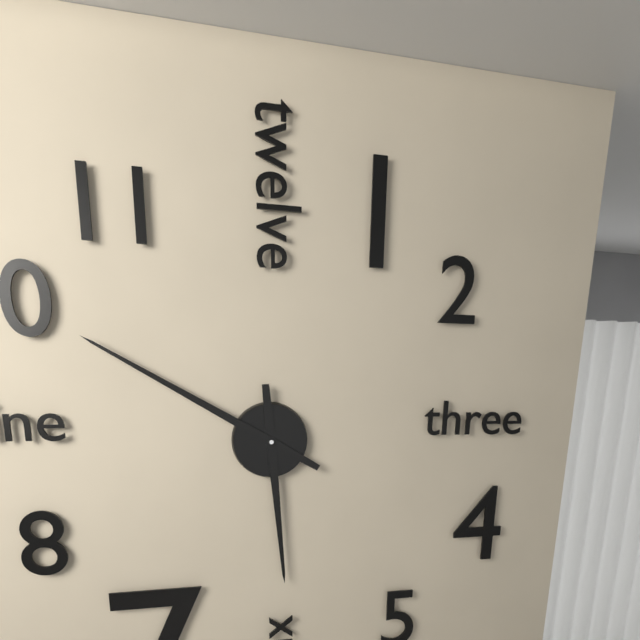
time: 5:50
